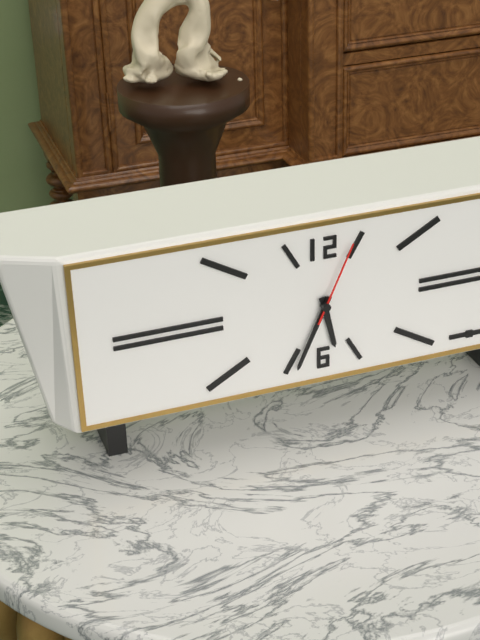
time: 5:34:04
